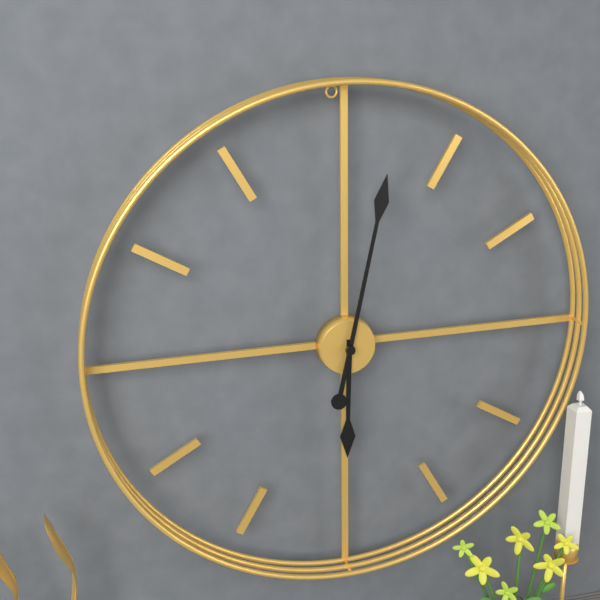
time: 6:02
